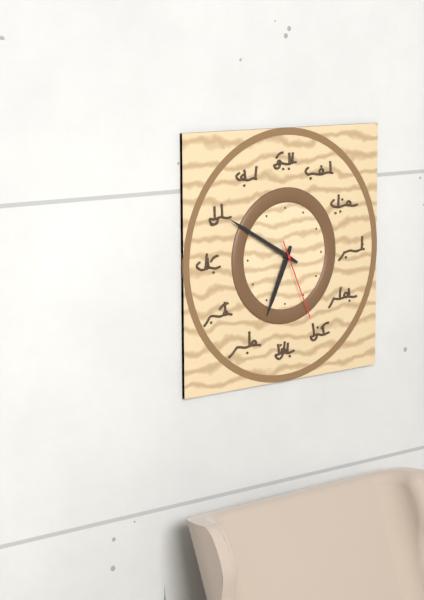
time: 6:50:26
